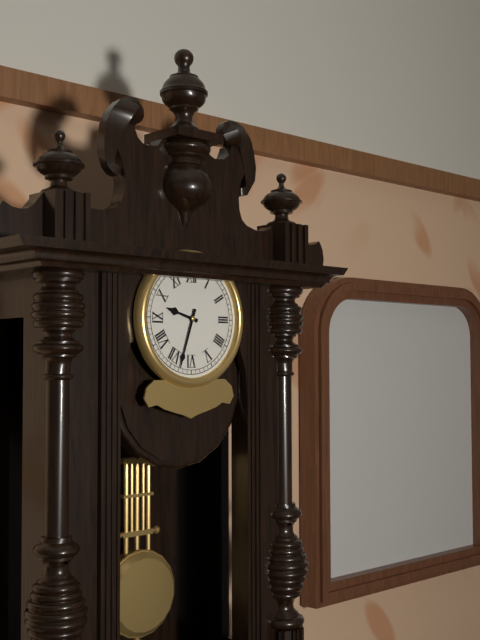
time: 9:33
